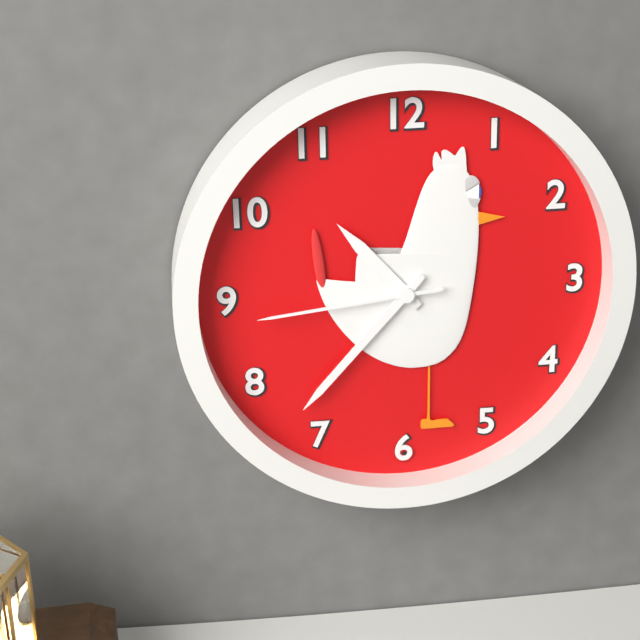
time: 10:37:44
